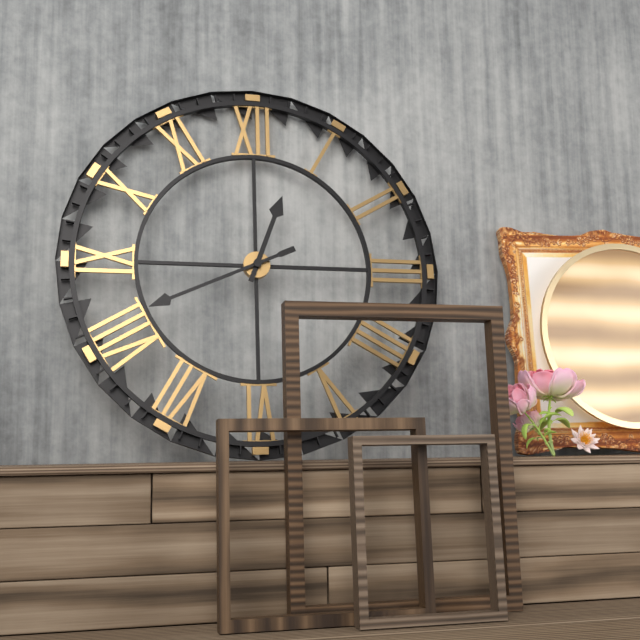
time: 12:41
